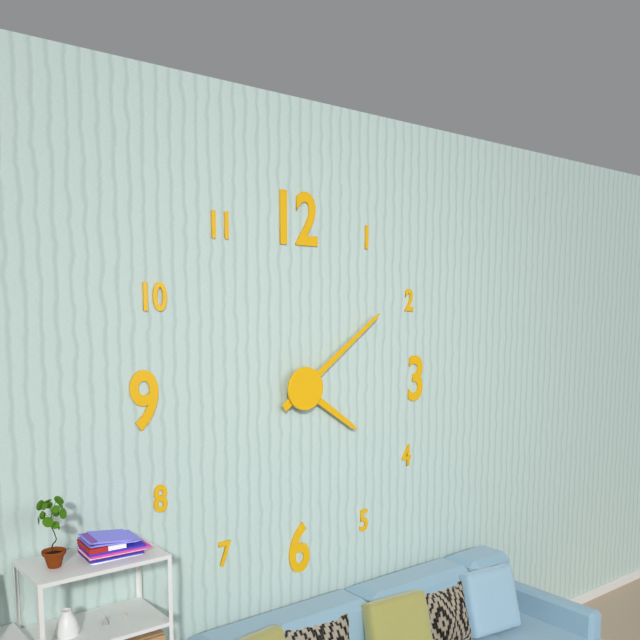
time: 4:09
